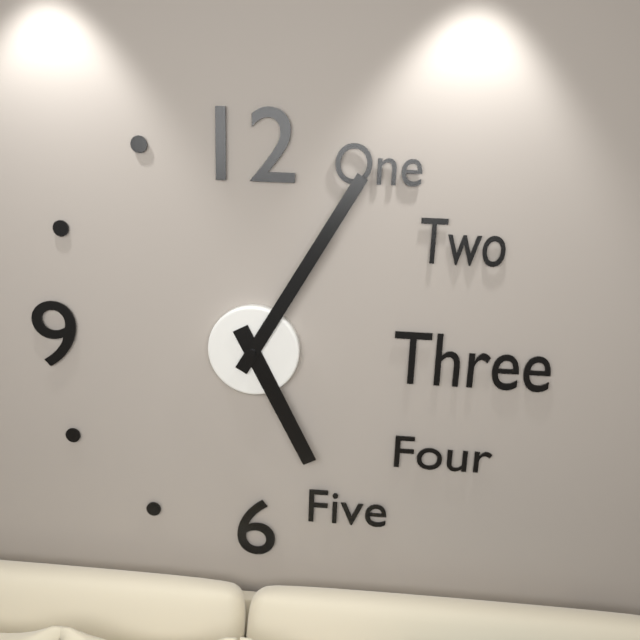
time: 5:05
